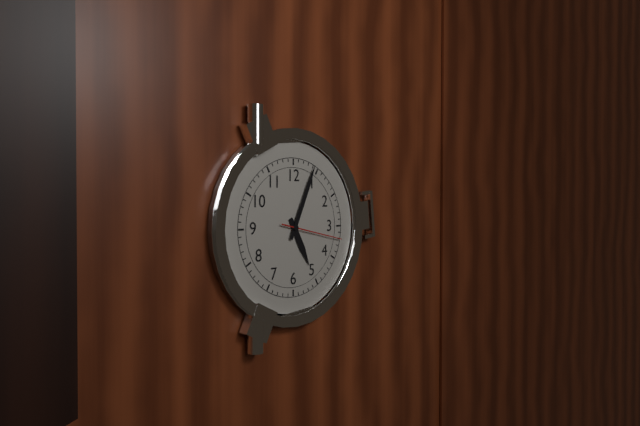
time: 5:04:17
